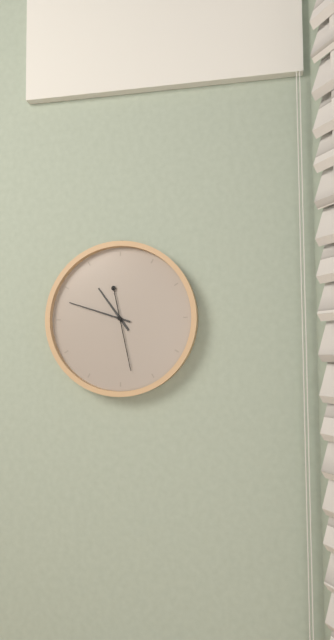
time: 10:48:28
